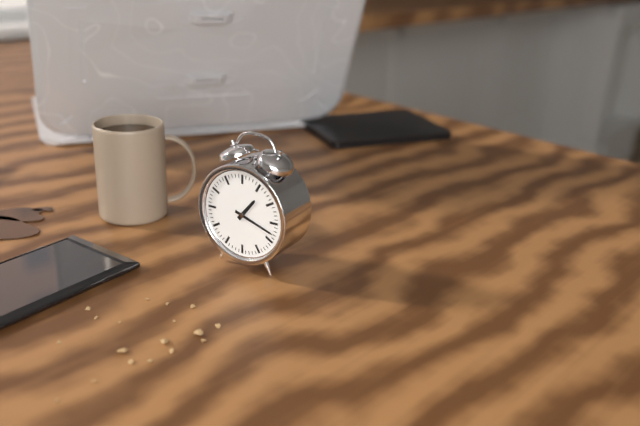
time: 1:18
